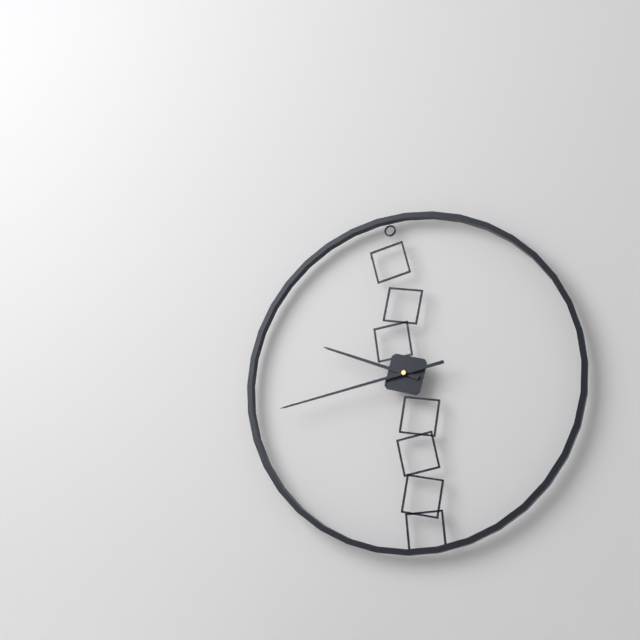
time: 9:43
